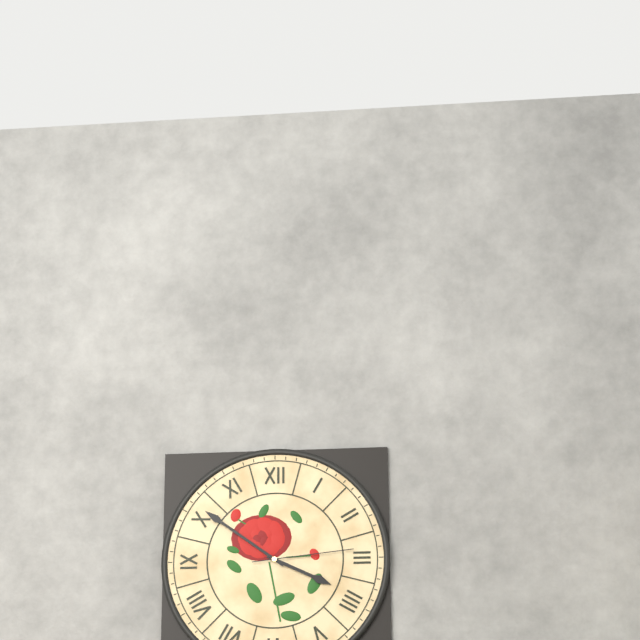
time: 3:51:14
